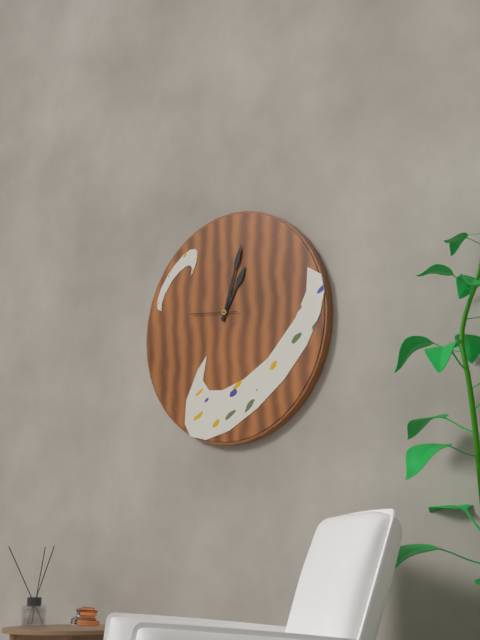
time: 1:03
